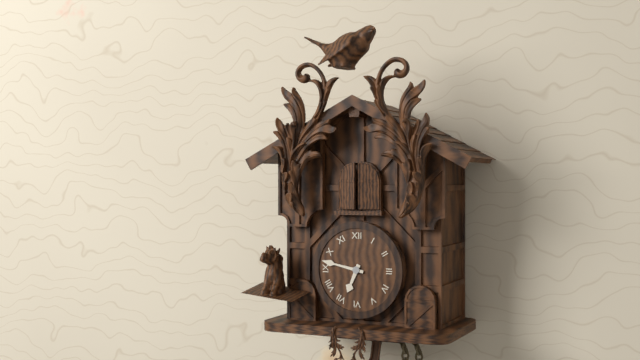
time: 6:47
